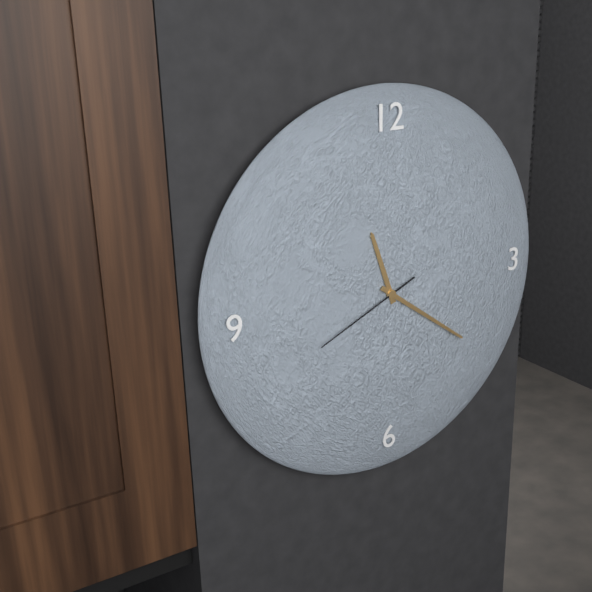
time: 11:21:41
